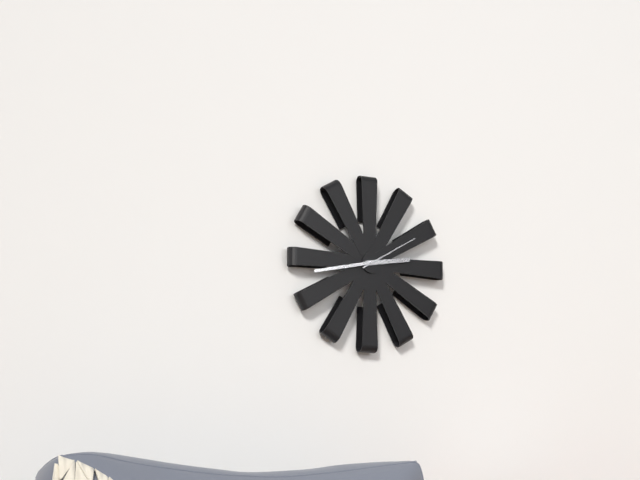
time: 2:43:10
